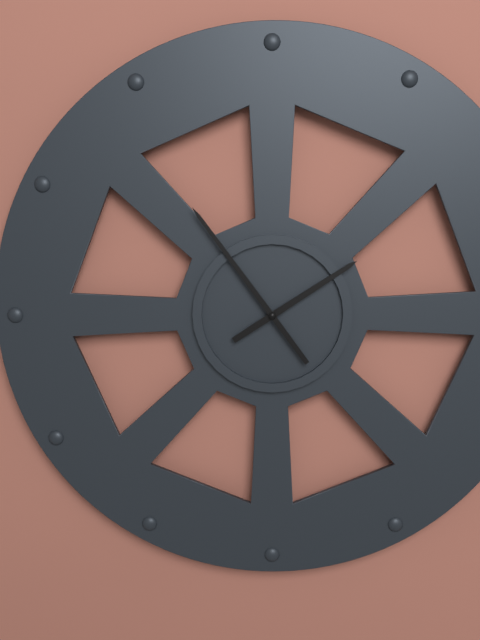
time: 1:54
